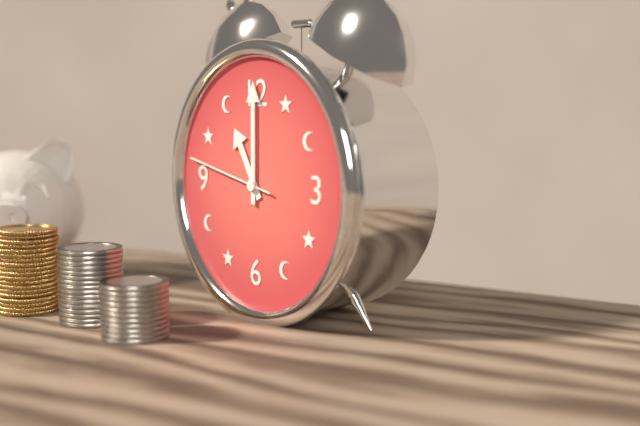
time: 11:00:47
